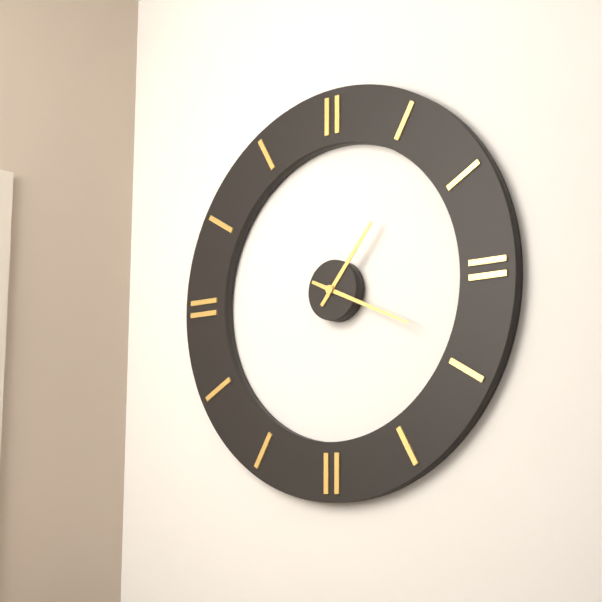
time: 1:19
